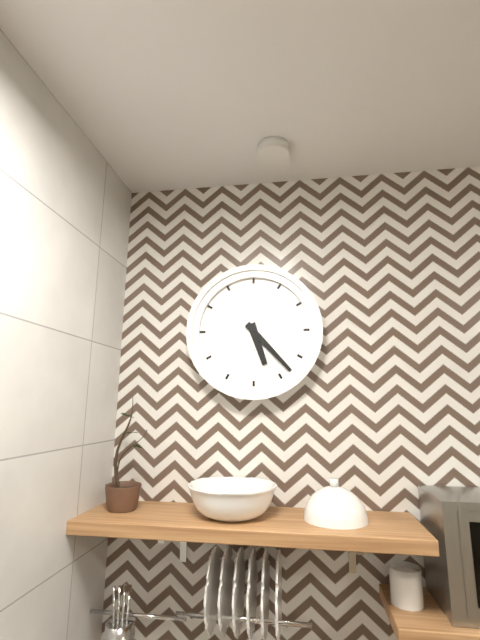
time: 5:23
